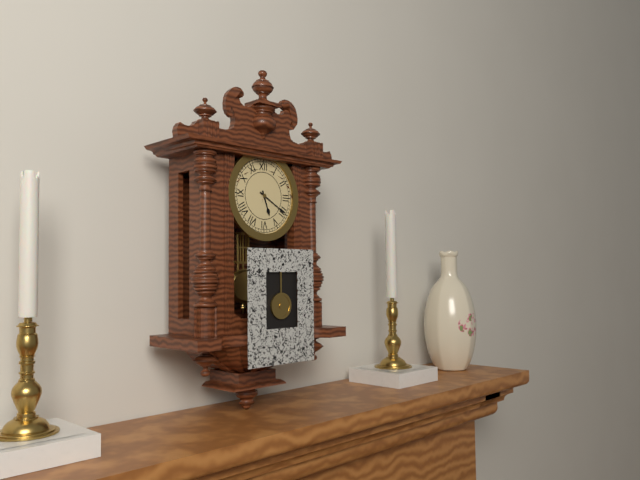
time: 5:20
